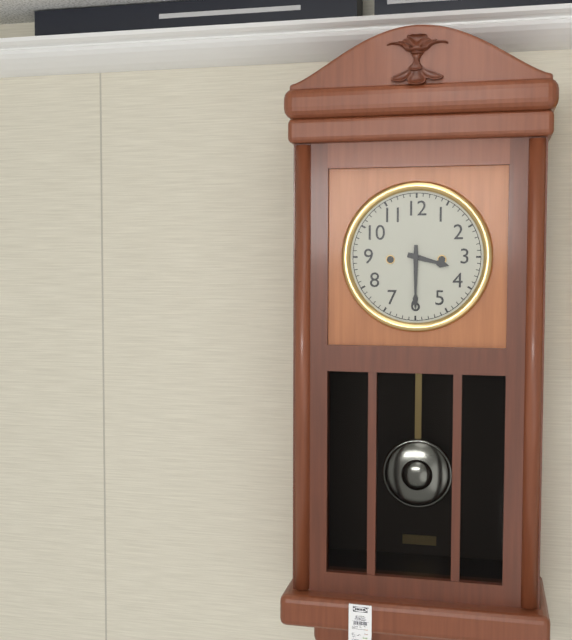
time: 3:30
